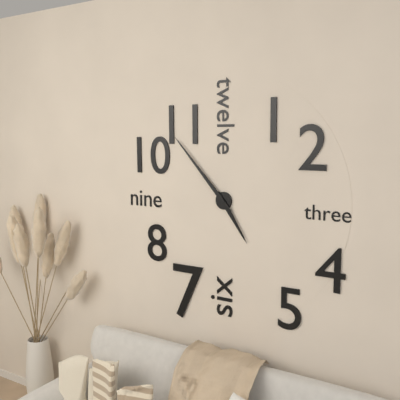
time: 4:53
